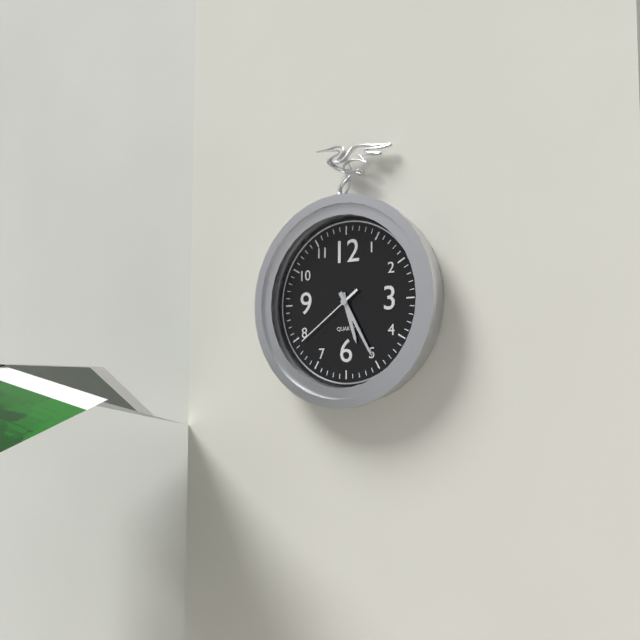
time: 5:25:39
